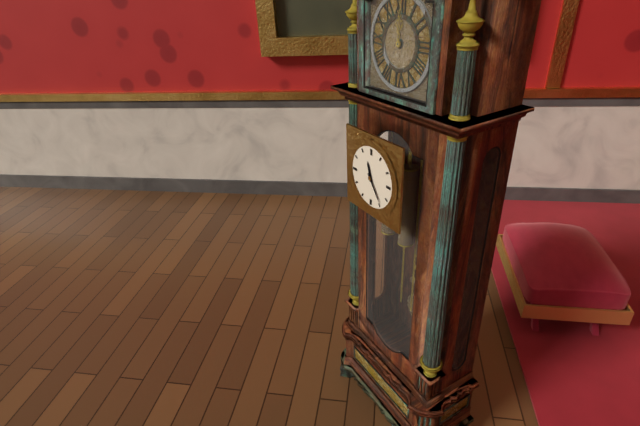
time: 11:24
